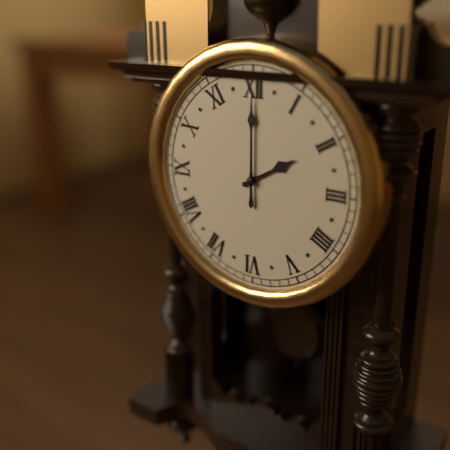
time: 2:00
